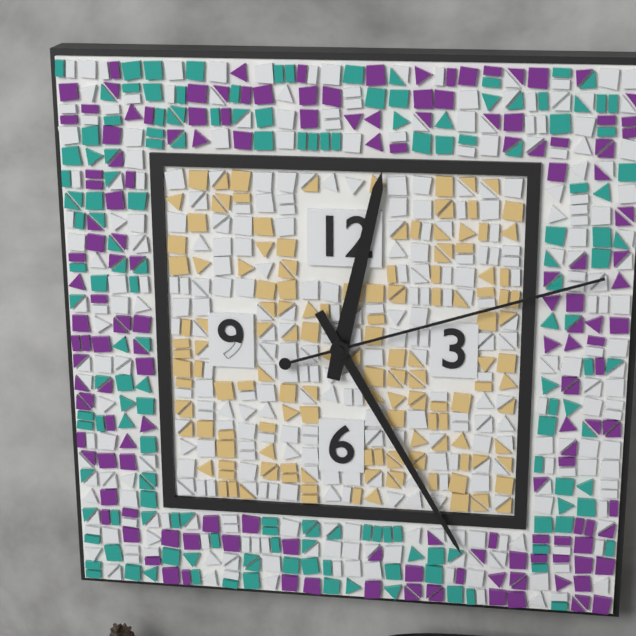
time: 12:25:12
